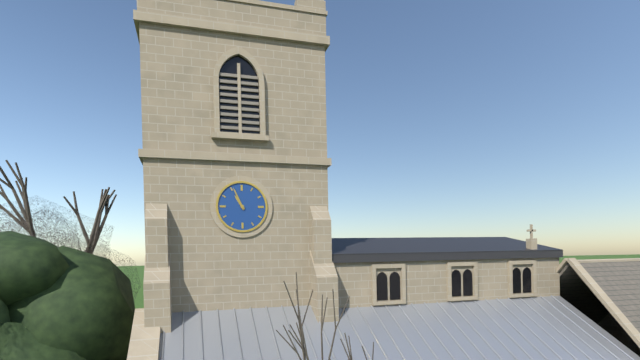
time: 10:56
